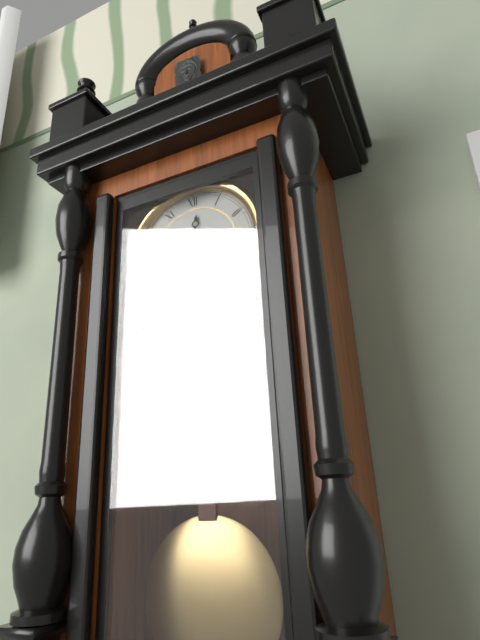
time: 12:15
